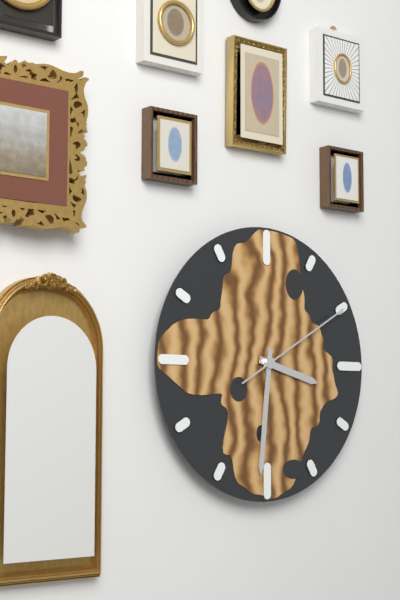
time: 3:31:10
